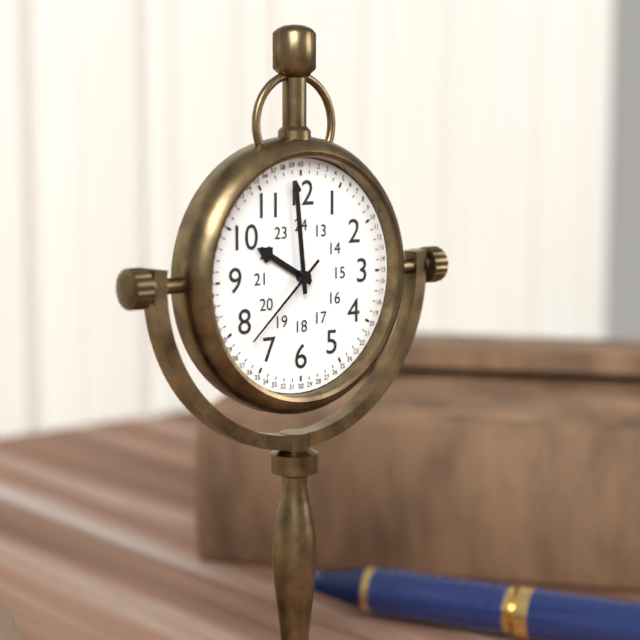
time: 9:59:38
